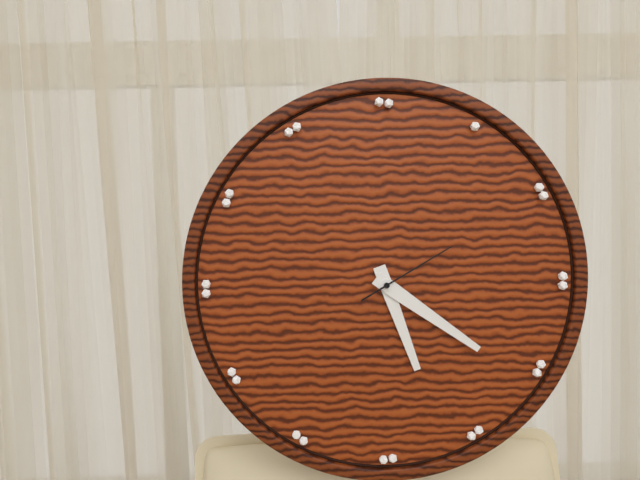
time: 5:21:10
